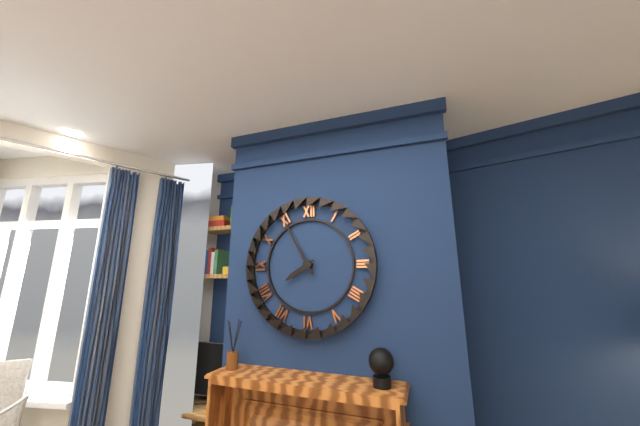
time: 7:55
